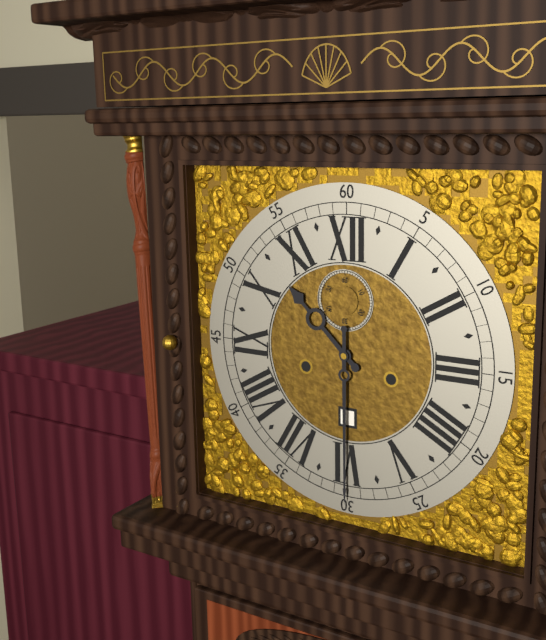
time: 10:30
